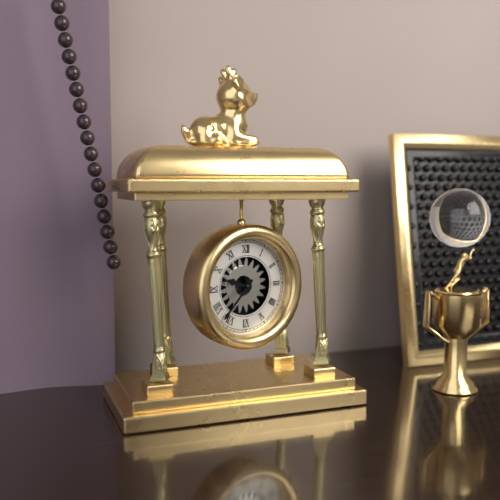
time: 9:37
